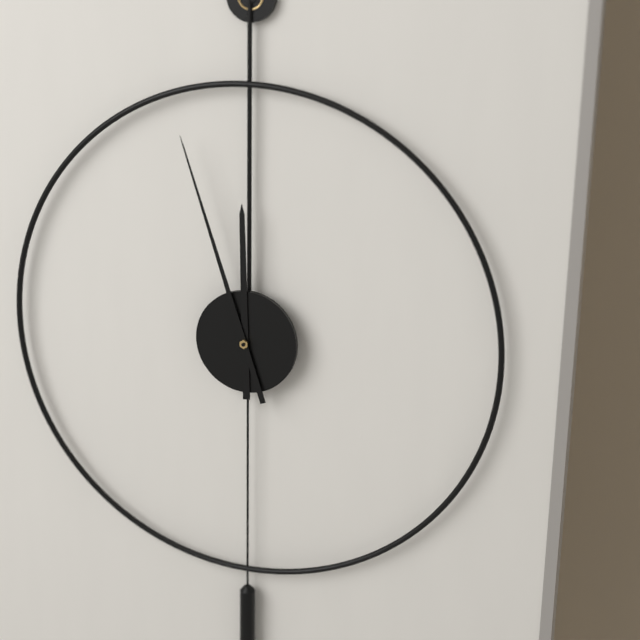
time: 11:57
